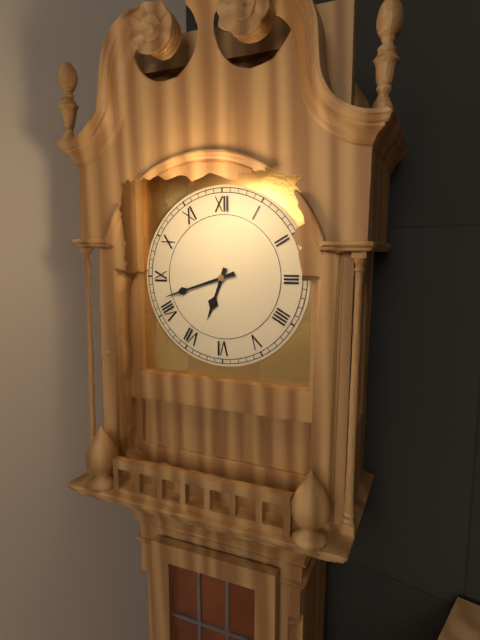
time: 6:42
